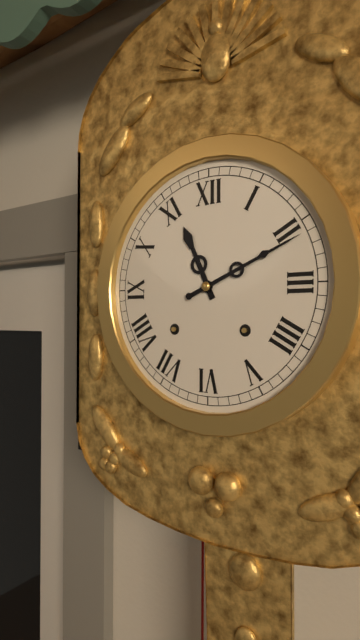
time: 11:11
